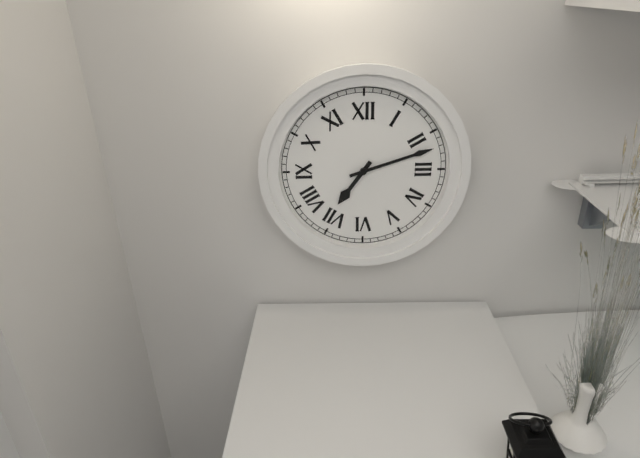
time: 7:12
